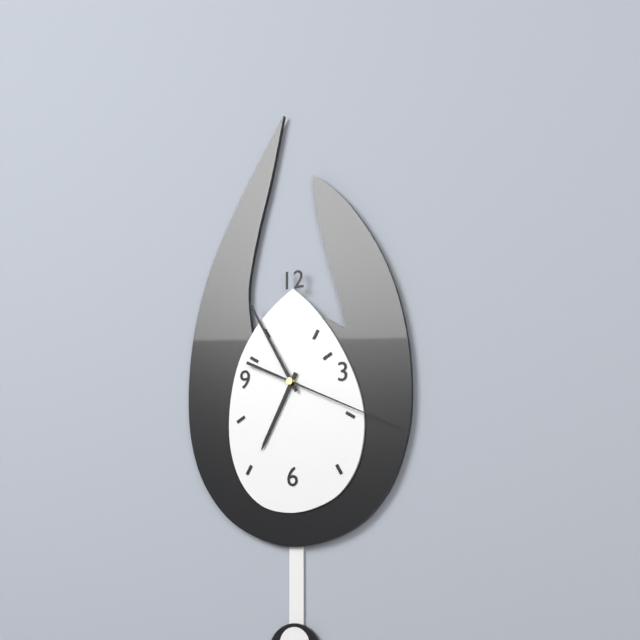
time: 6:55:19
